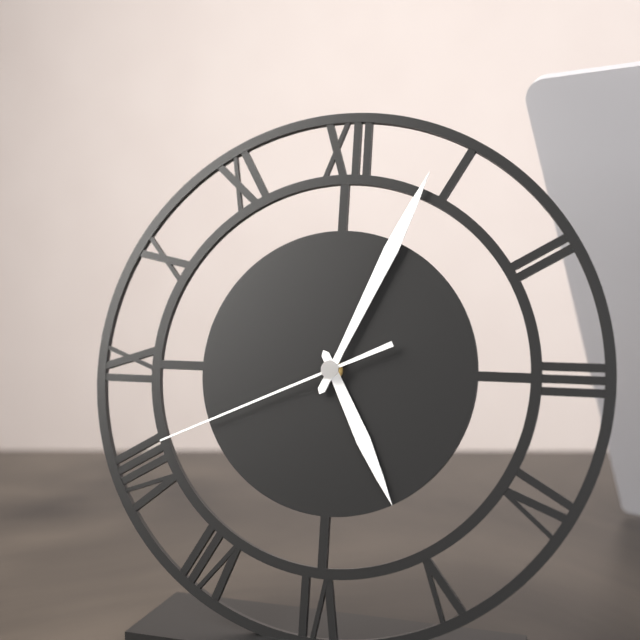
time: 5:04:41
